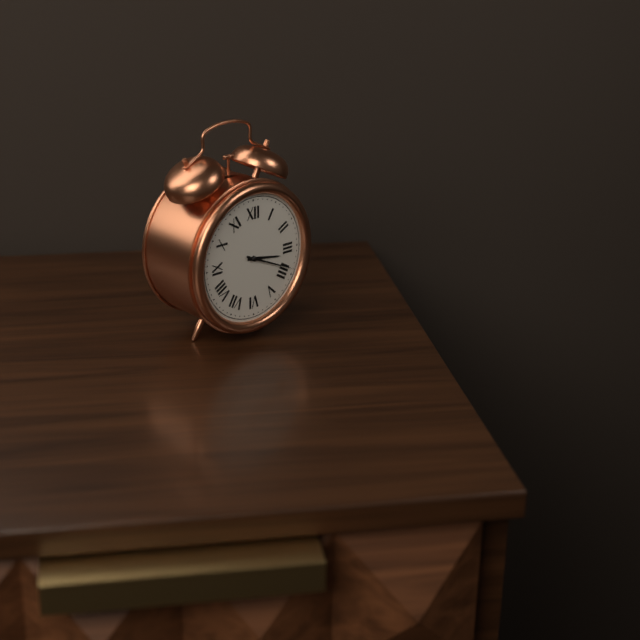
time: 3:19
